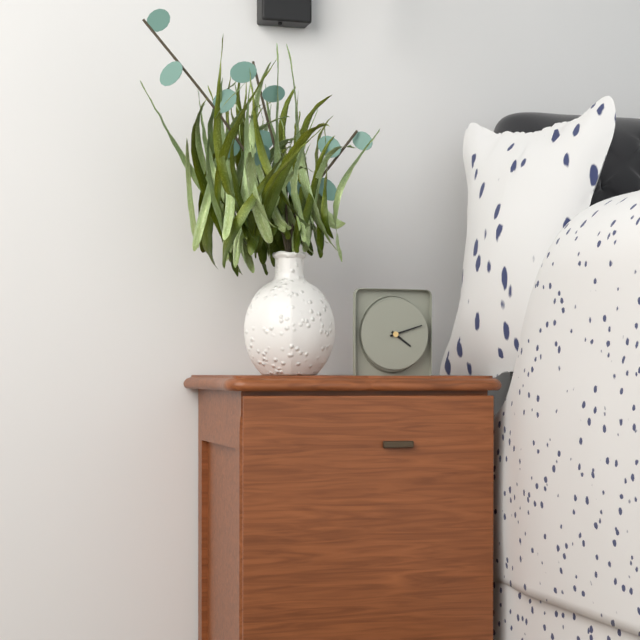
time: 4:12
